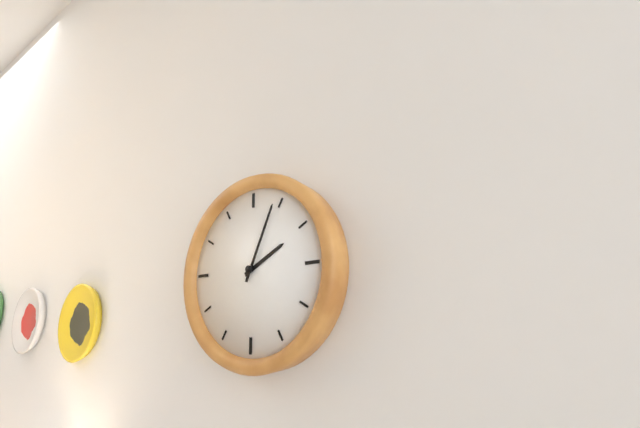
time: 2:04
